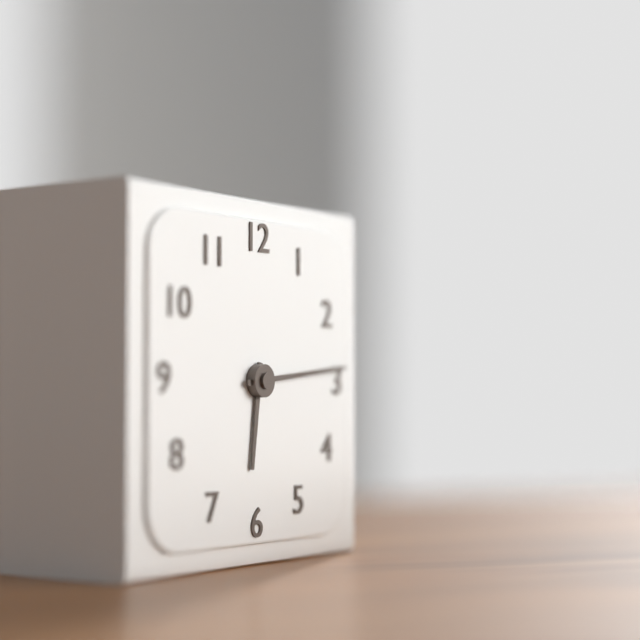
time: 6:14
